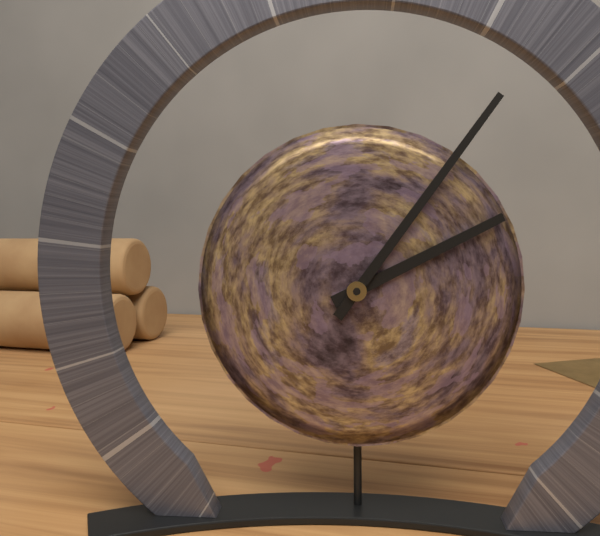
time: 2:06
